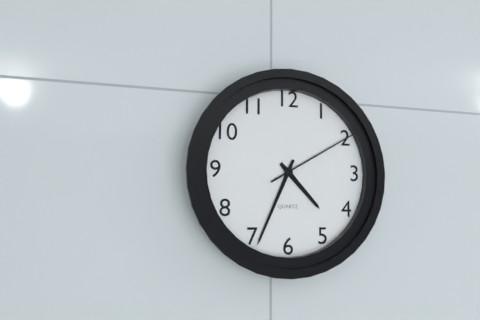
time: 4:34:10
